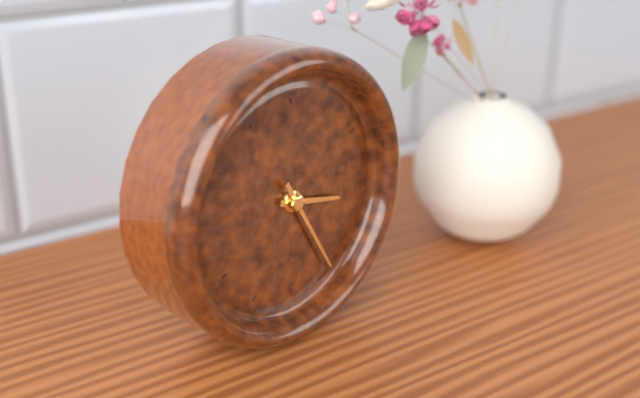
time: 3:25
